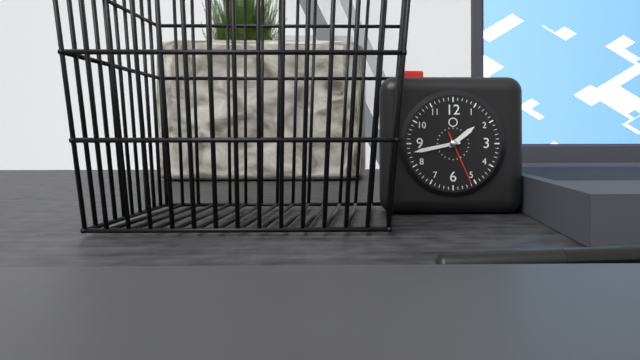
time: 1:43:26
